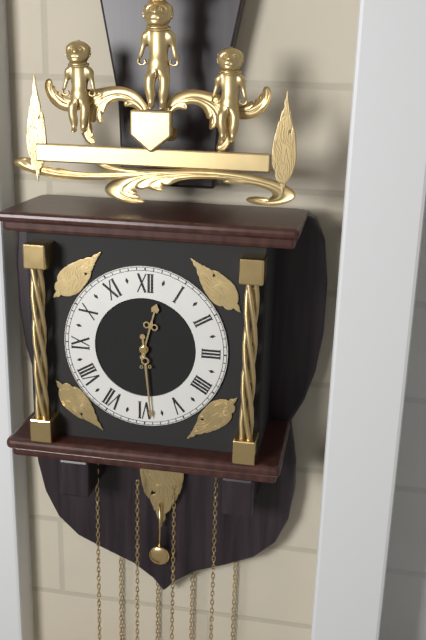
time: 12:29
